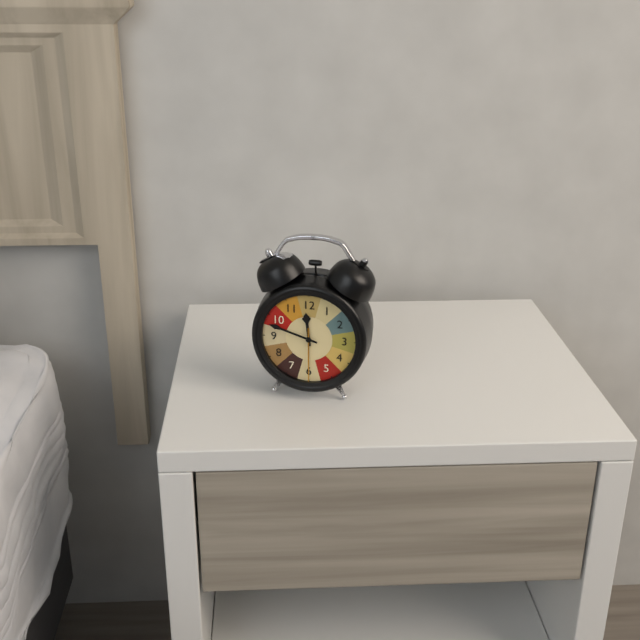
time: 11:48:30
